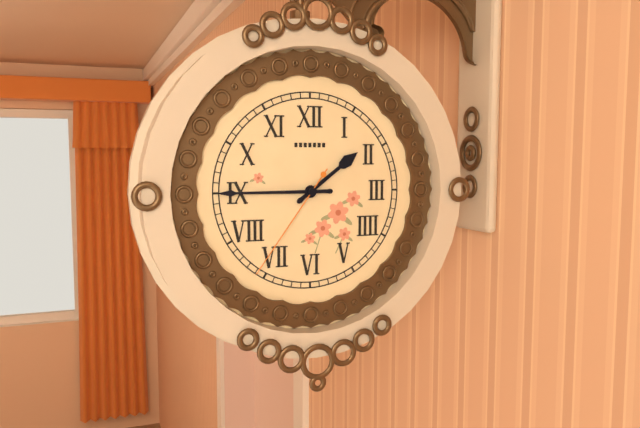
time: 1:45:36
